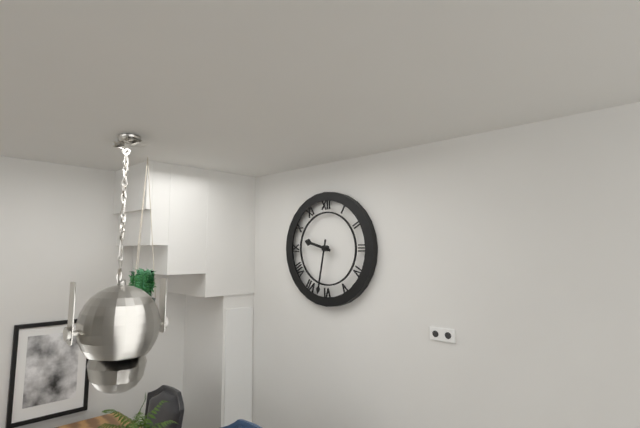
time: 9:32
